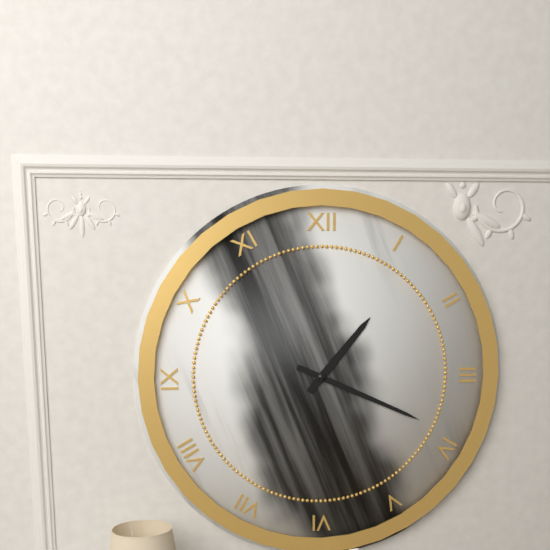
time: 1:19
